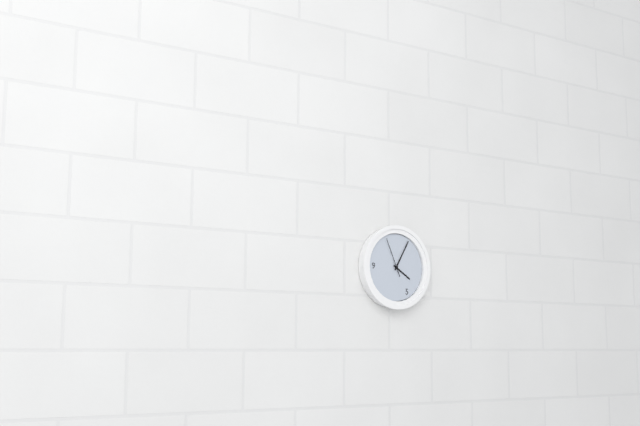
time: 4:05
